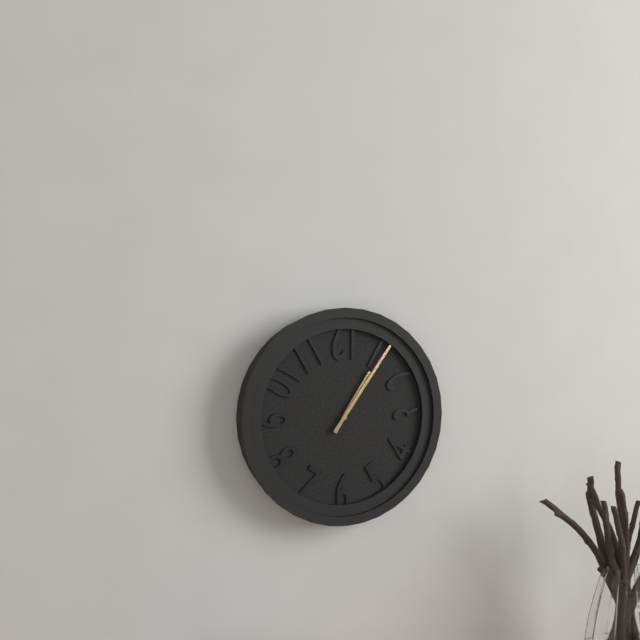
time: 1:06
